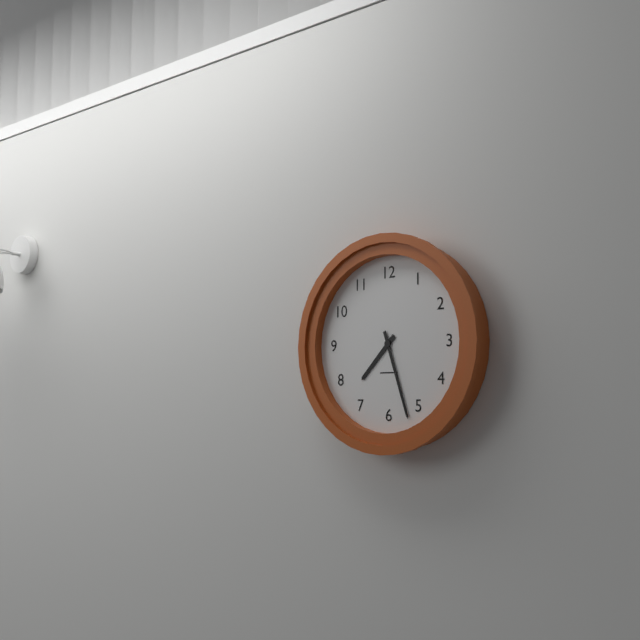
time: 7:27
